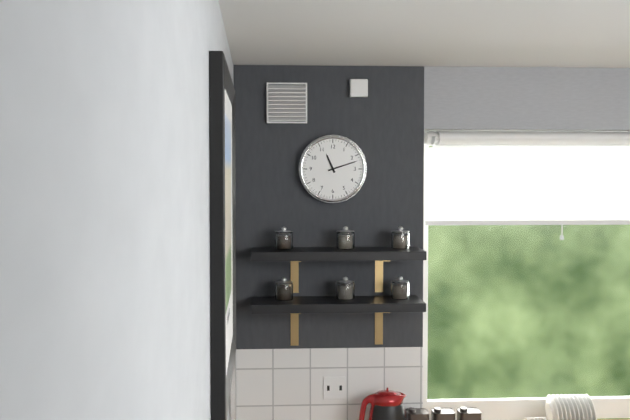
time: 11:12
